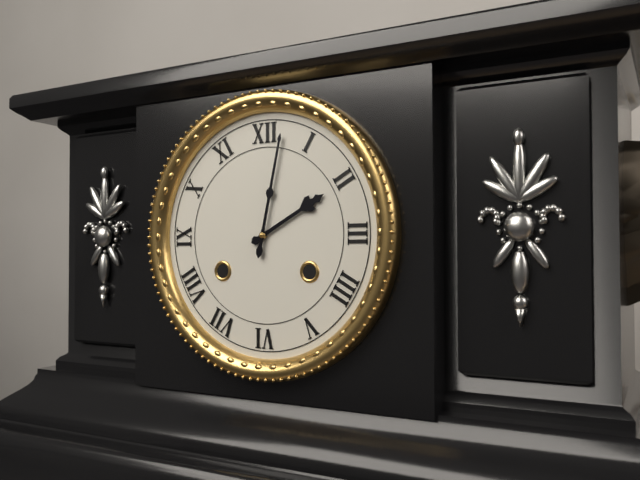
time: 2:02
